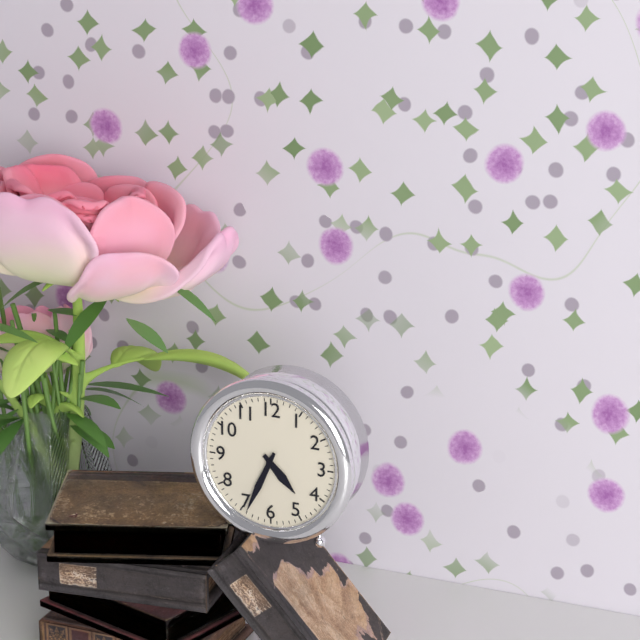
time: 4:34
